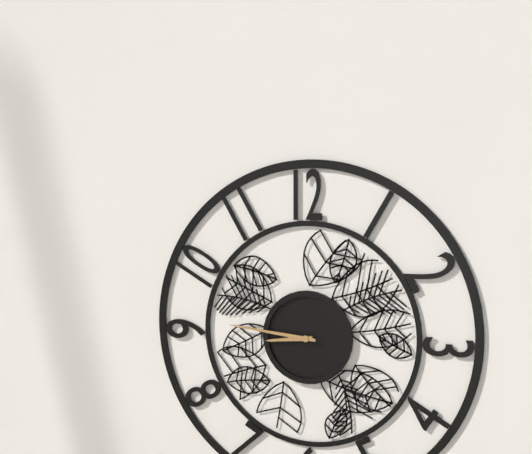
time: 8:46
